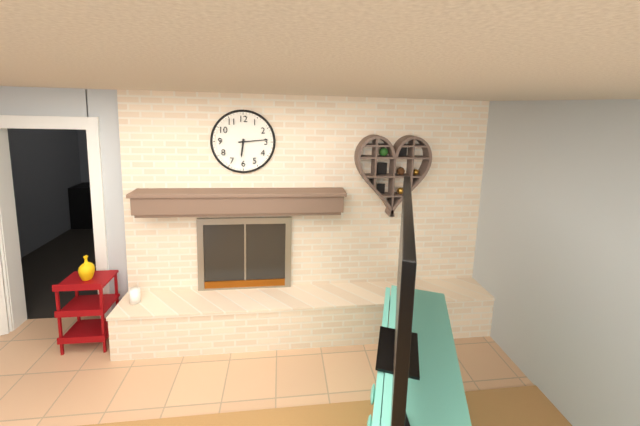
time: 6:14
